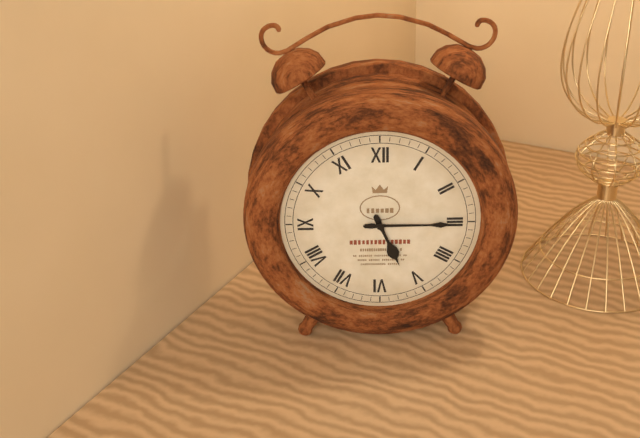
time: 5:15
